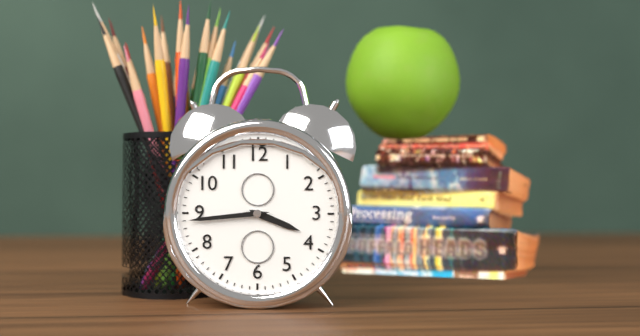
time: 3:44
